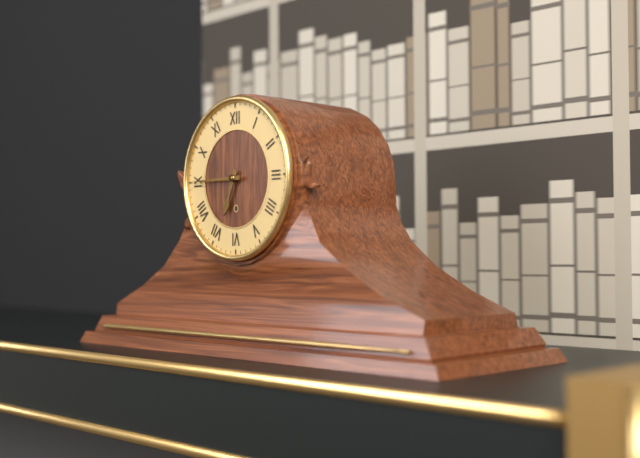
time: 6:45
